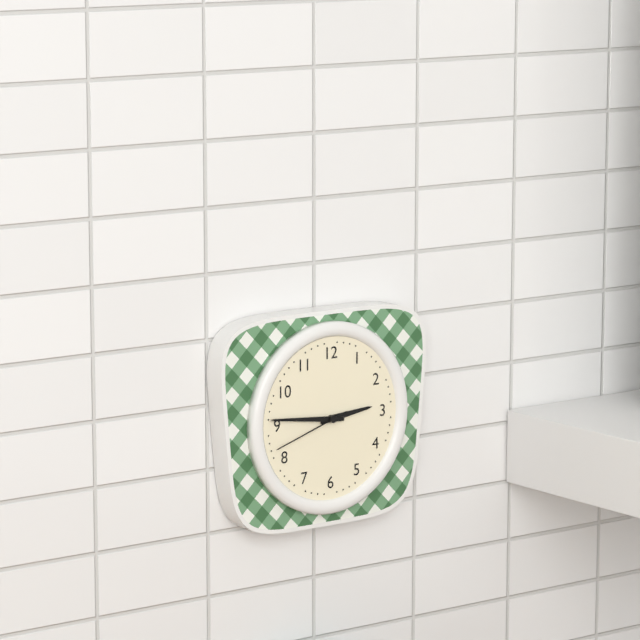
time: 2:46:42
